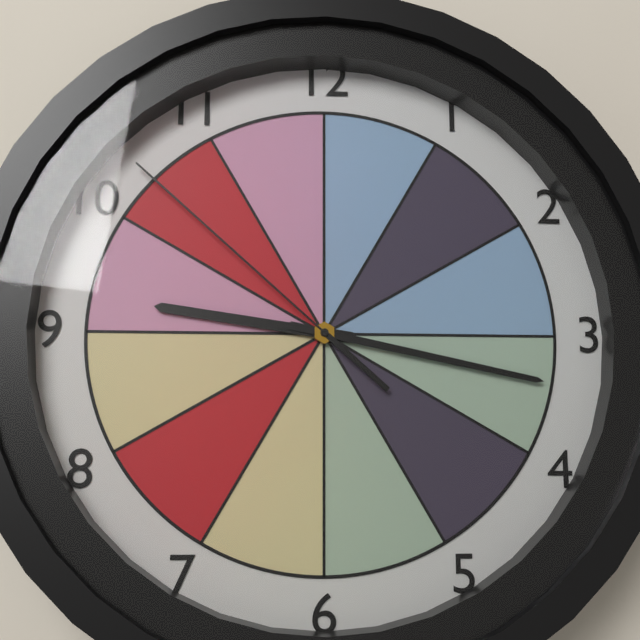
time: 9:17:52
